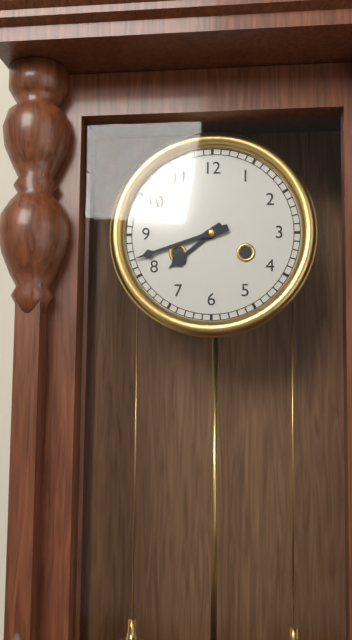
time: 7:42
